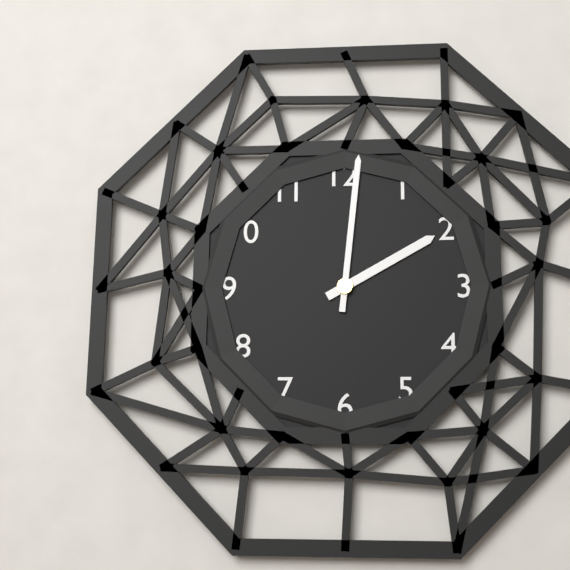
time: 2:01
